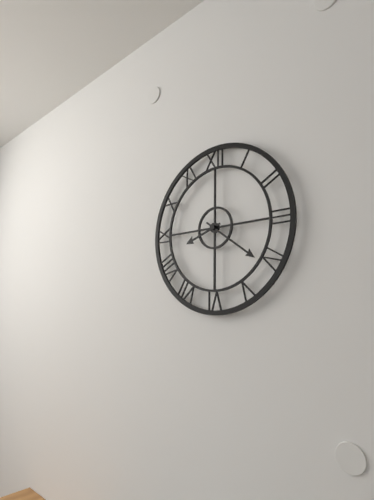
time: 8:21
